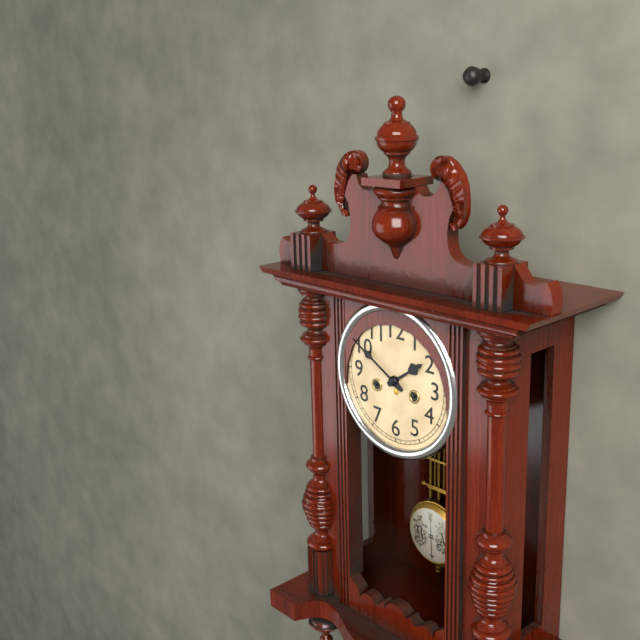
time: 1:50
